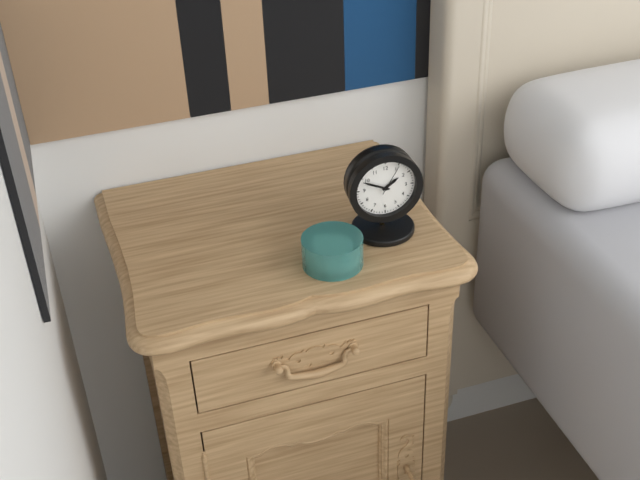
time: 1:49
